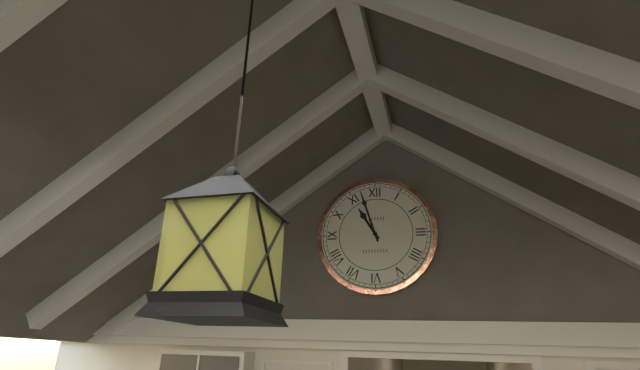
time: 10:57
